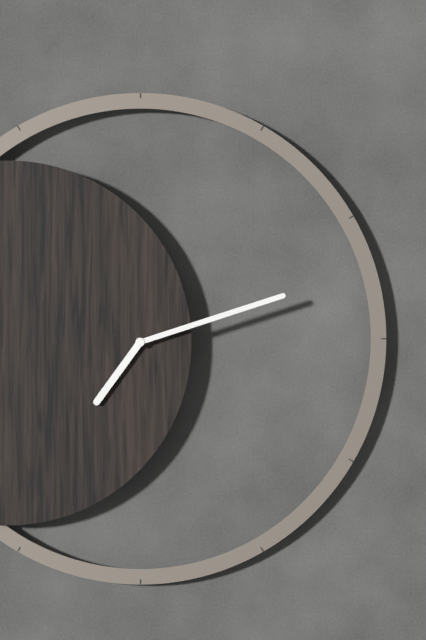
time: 7:12
